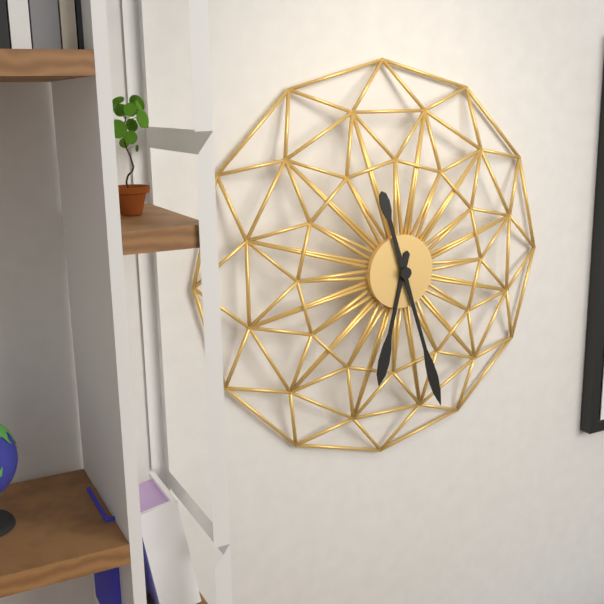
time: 6:27
